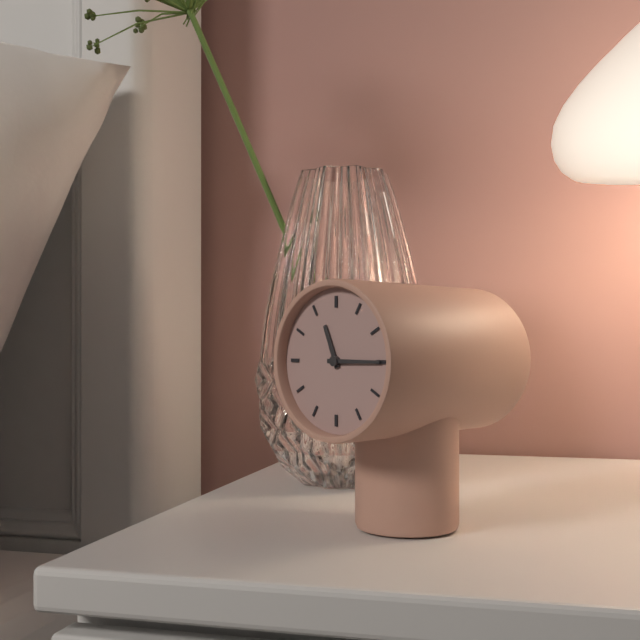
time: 11:15
